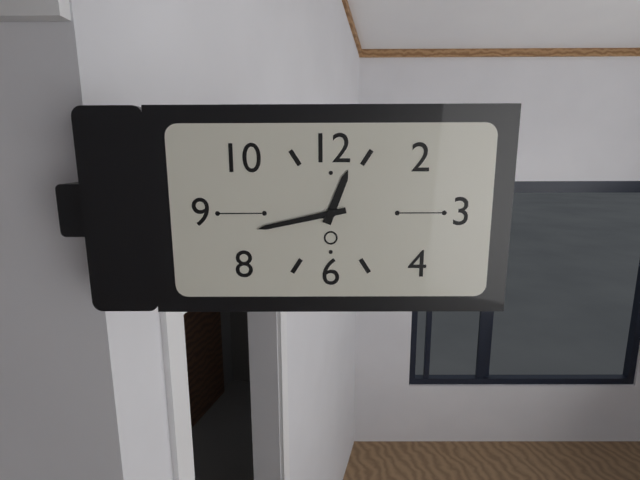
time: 12:43
